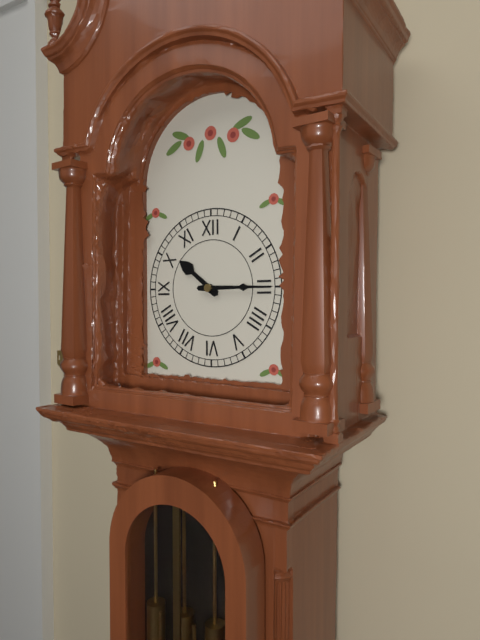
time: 10:15
